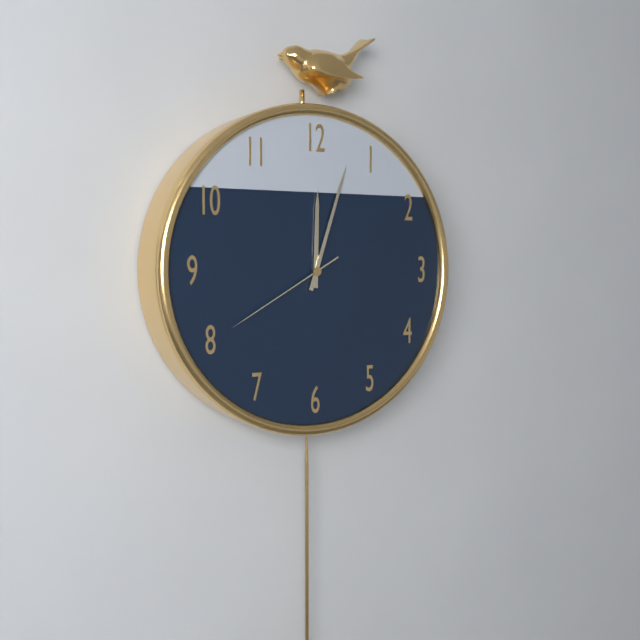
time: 12:03:40
